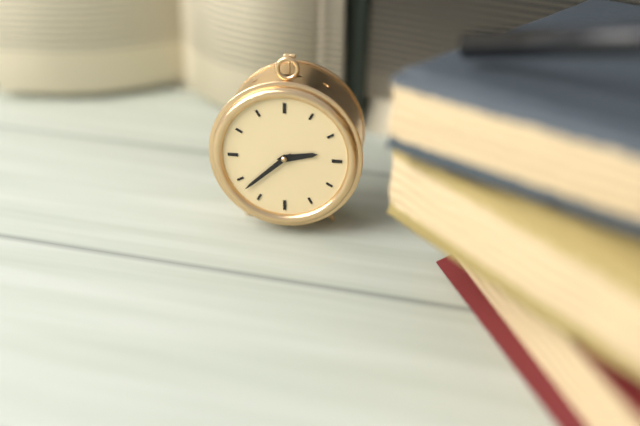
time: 2:38
